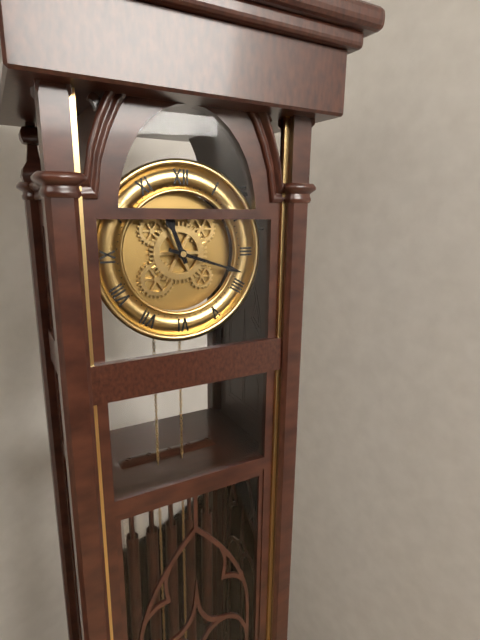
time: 11:18
